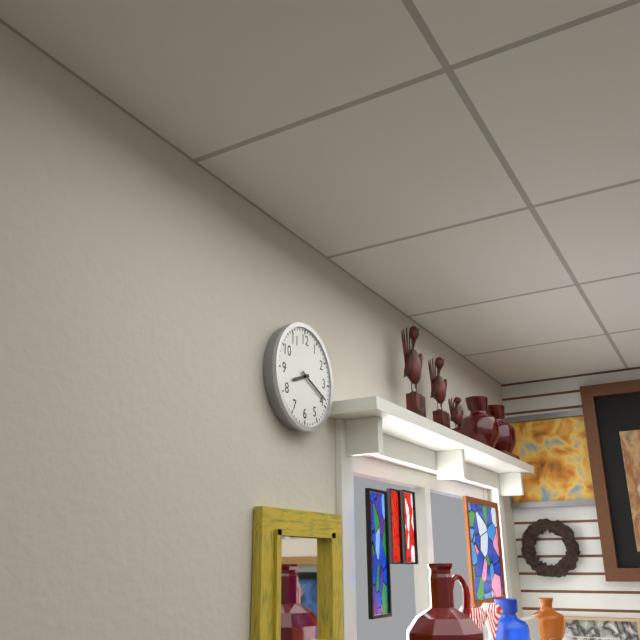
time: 8:19
